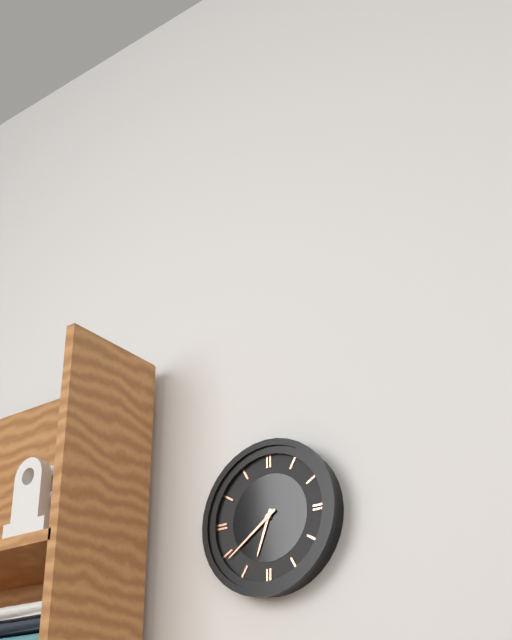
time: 6:39
